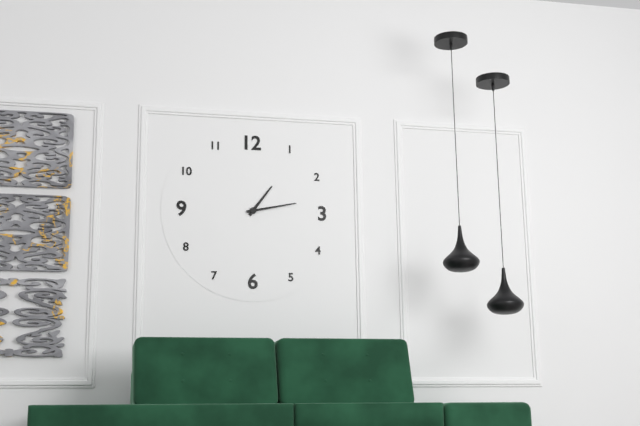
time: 1:13
